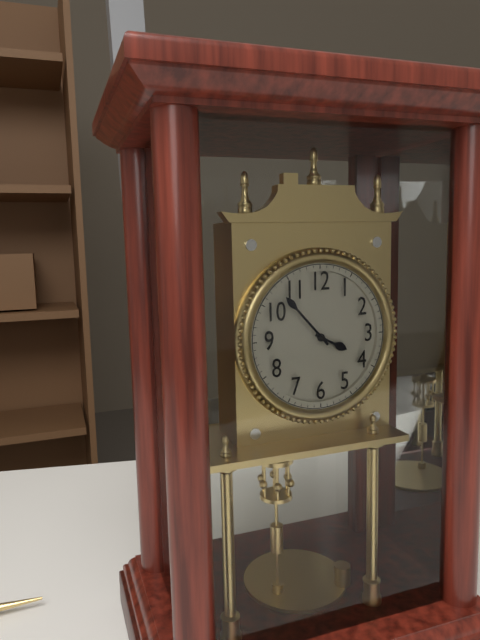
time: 3:53
